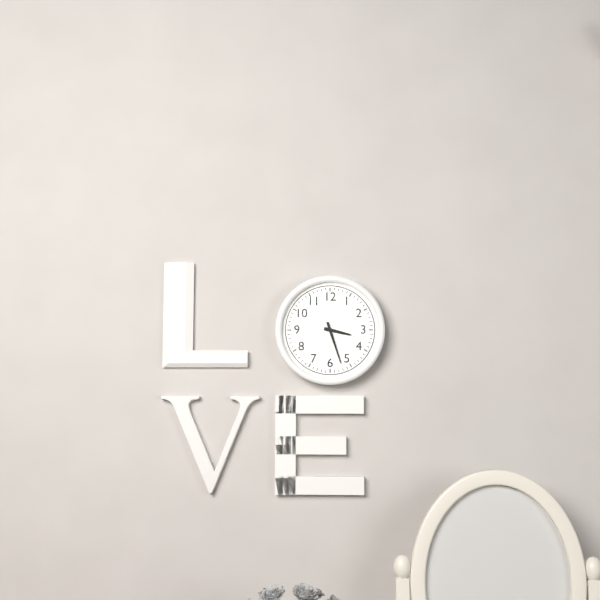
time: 3:27
